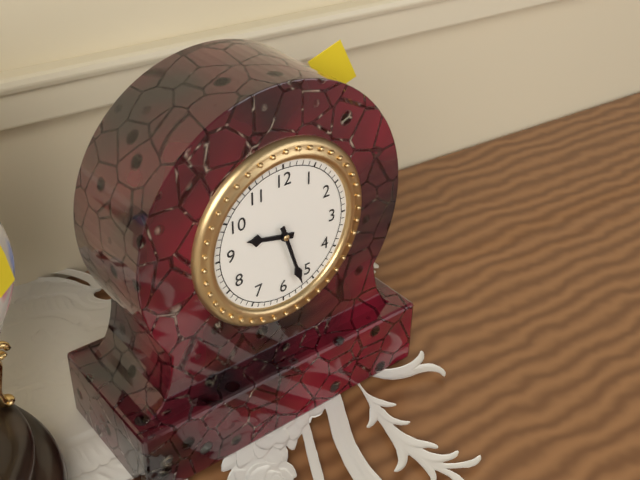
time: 9:27
